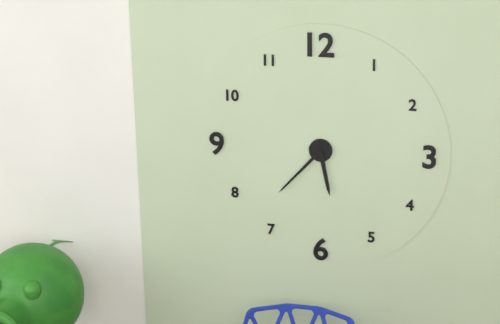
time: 5:37
